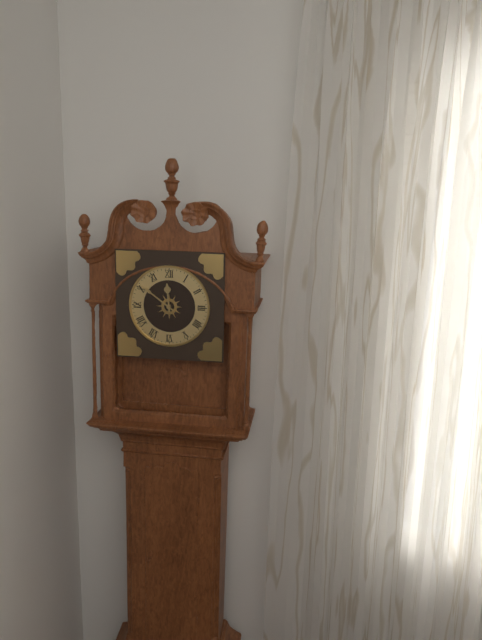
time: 11:51
